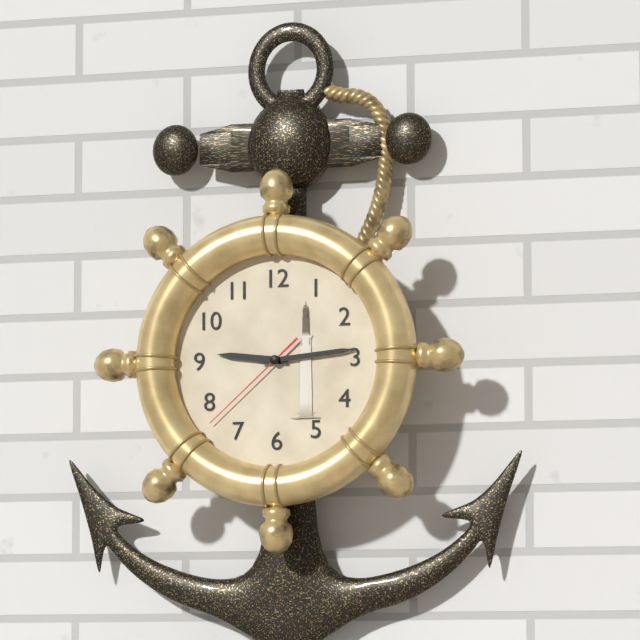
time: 9:14:38
